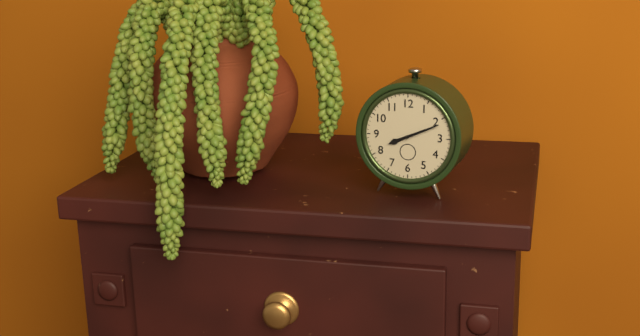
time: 8:11
